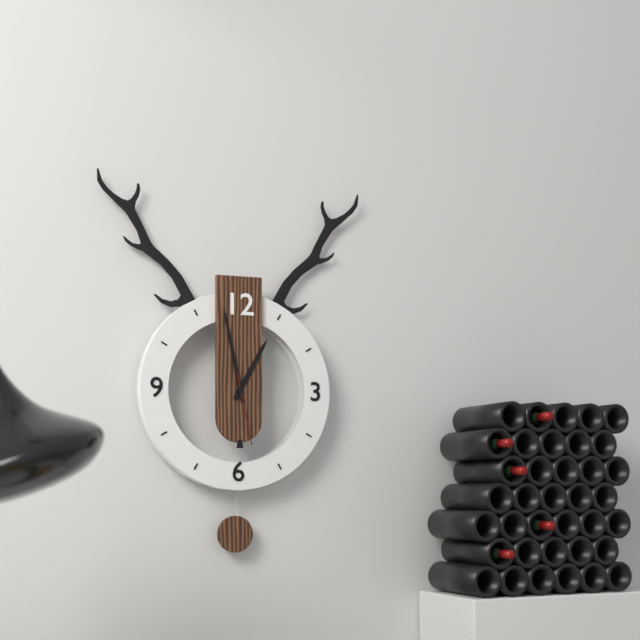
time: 12:58:28
